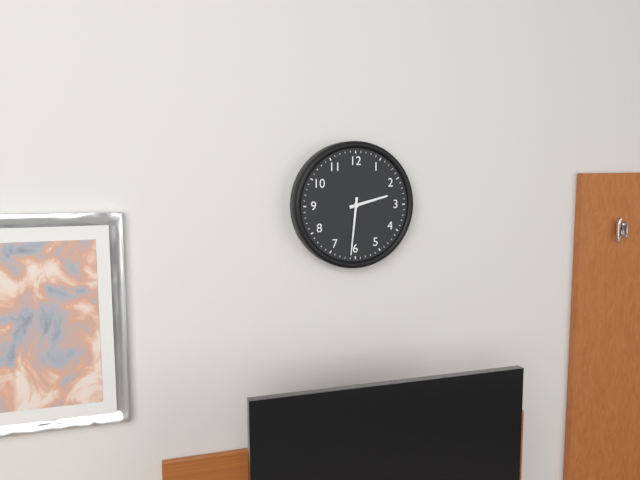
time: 2:31
